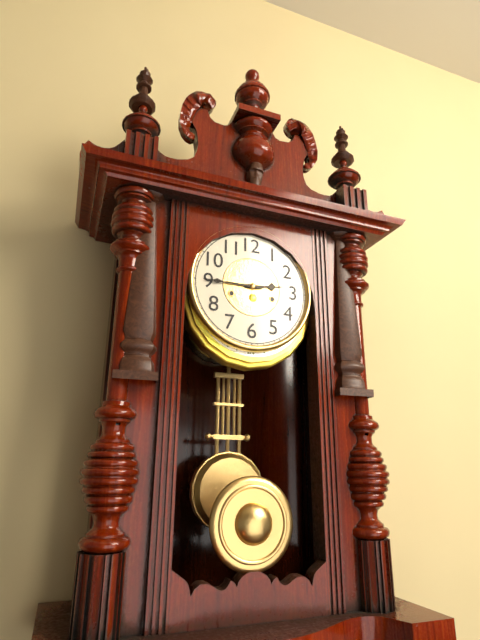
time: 2:45
